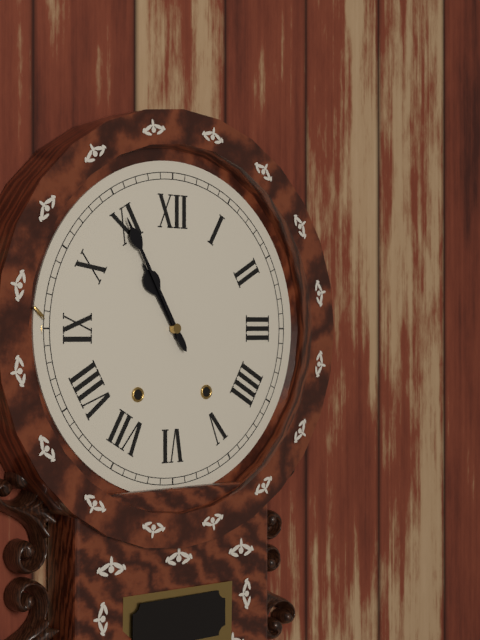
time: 10:55
